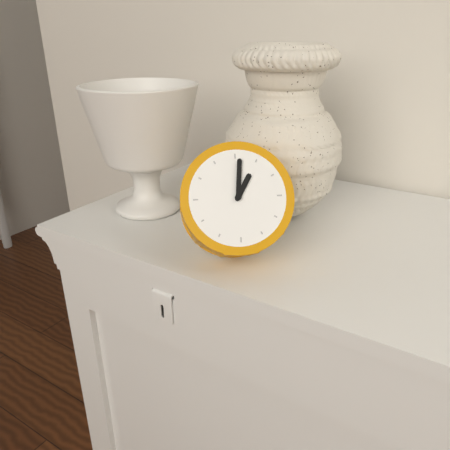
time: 1:01
